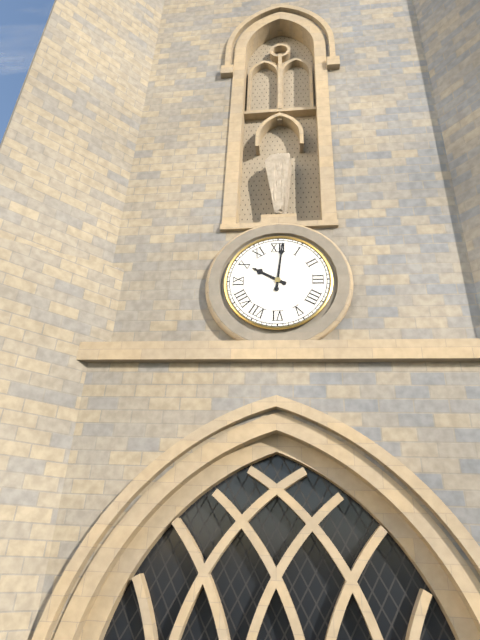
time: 10:01
